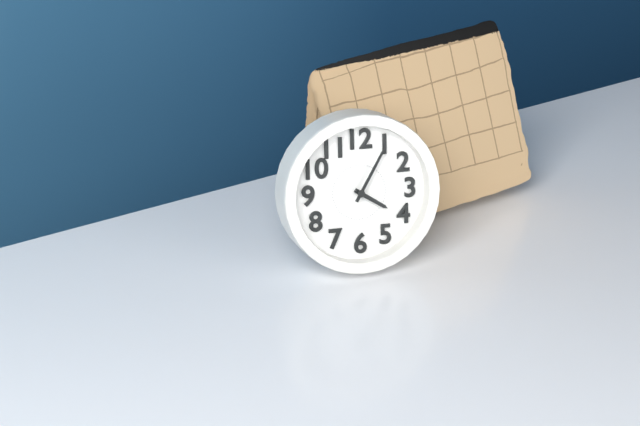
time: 4:05
